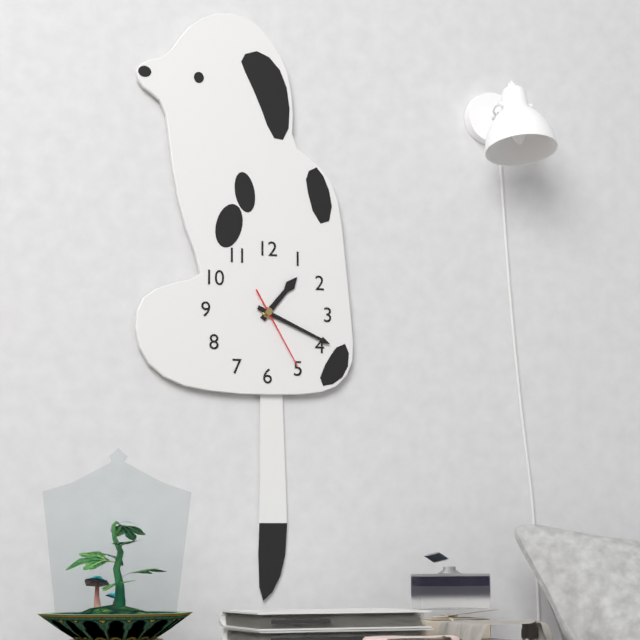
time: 1:19:25
